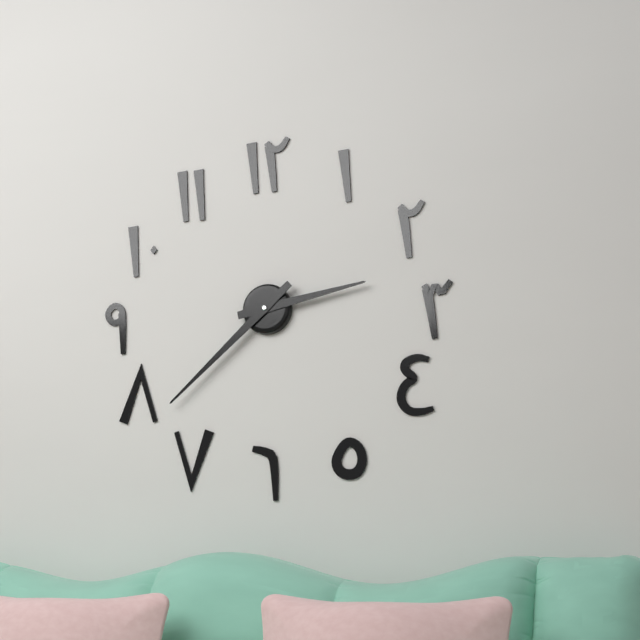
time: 2:38
